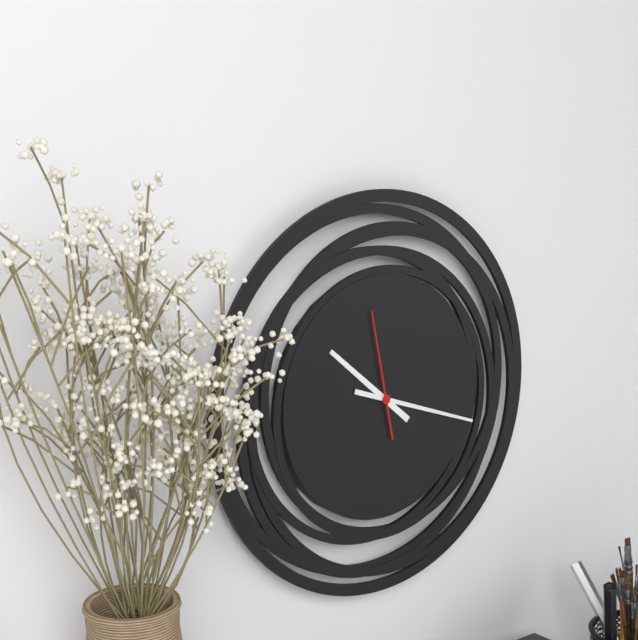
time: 10:18:58
